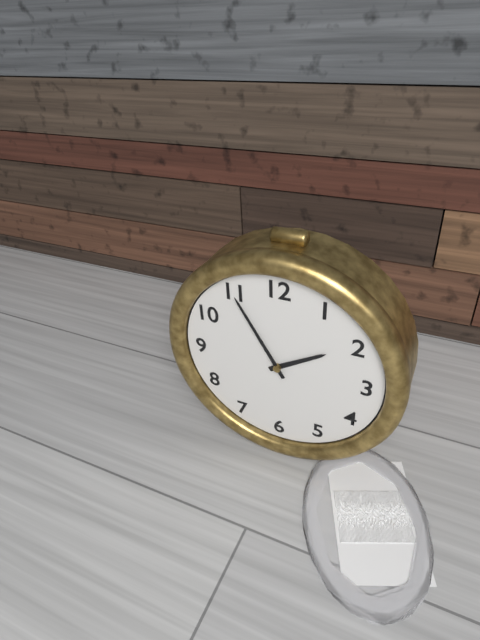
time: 1:55
